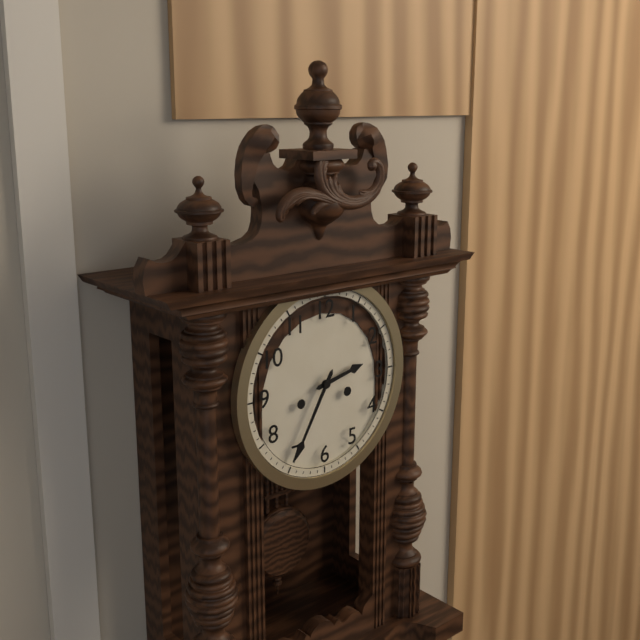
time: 2:35
